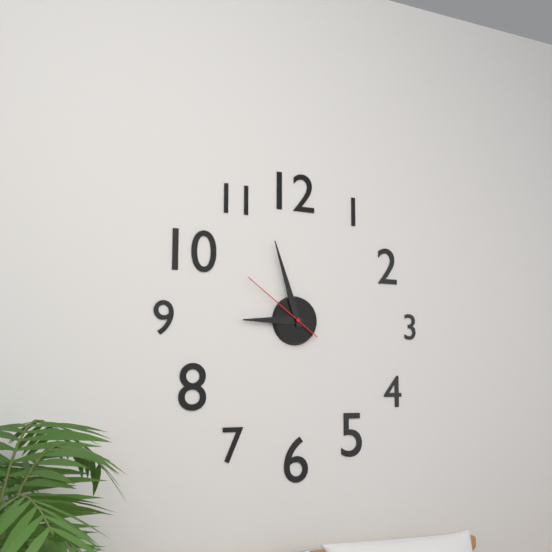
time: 8:57:51
